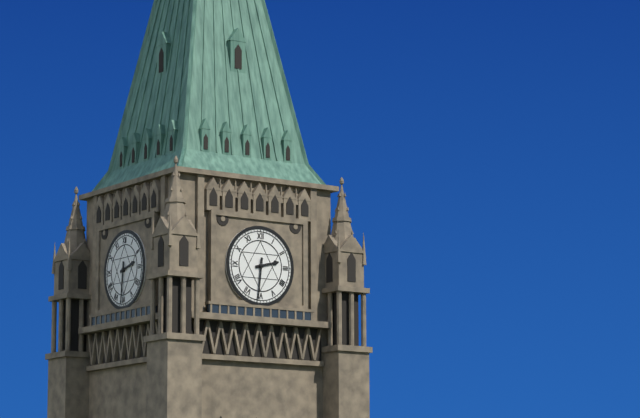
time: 2:31
